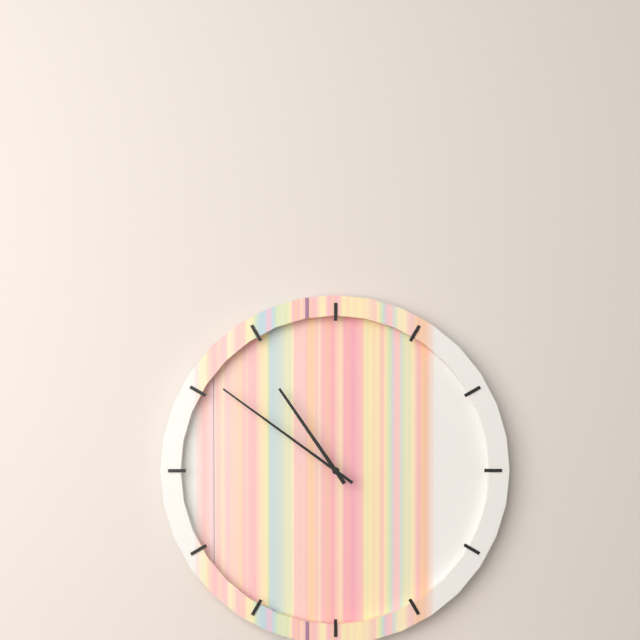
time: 10:51
